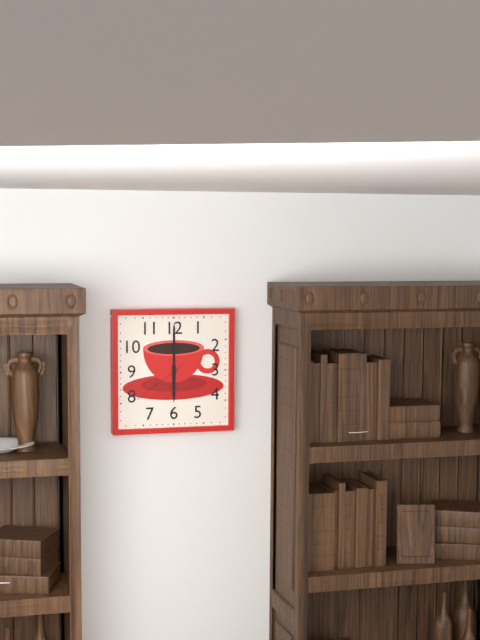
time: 6:00:39
